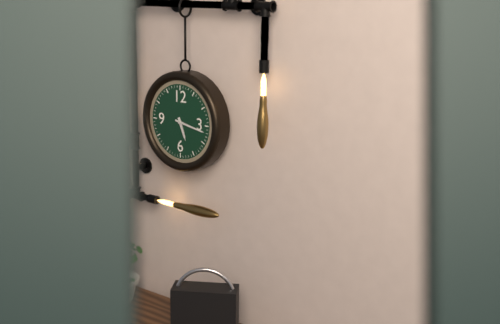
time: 5:17
